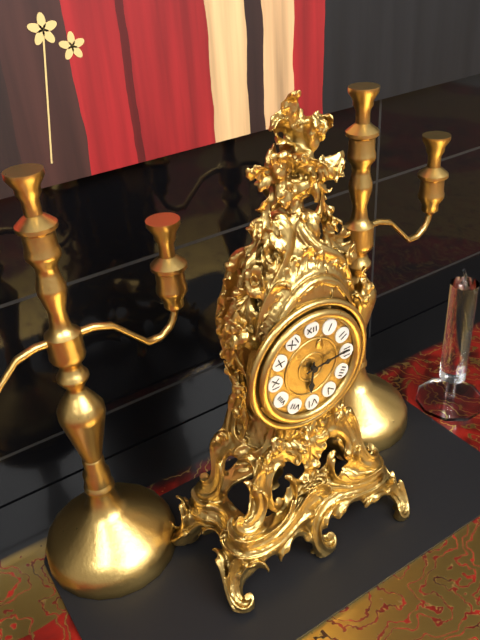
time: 6:14
